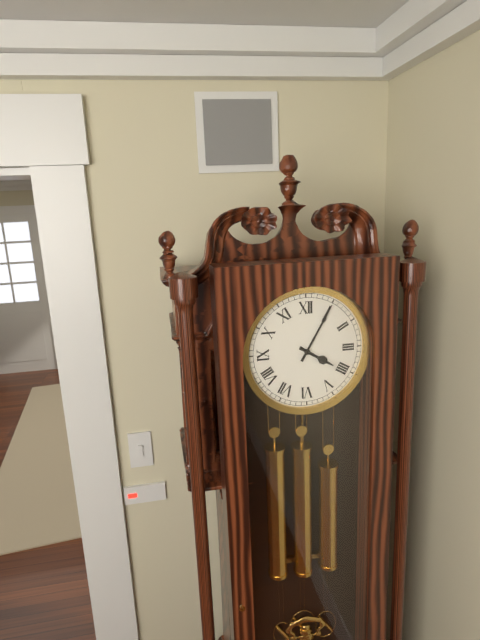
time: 4:05
